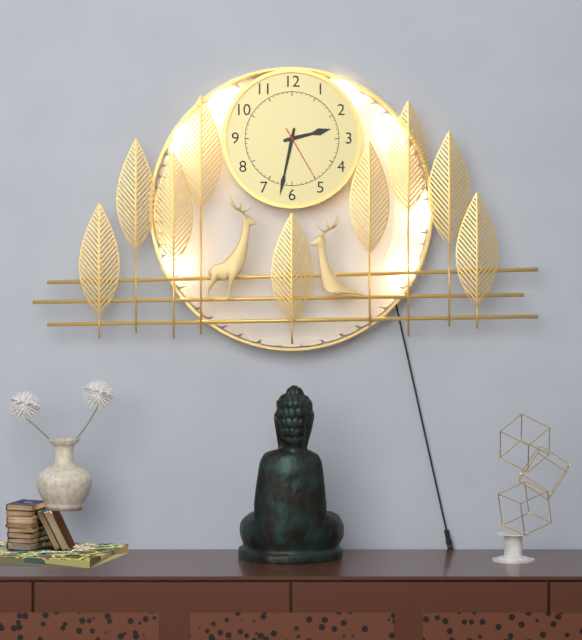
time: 2:32:25
